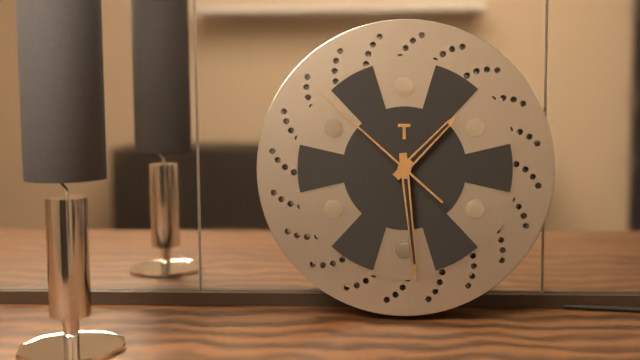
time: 1:29:52
